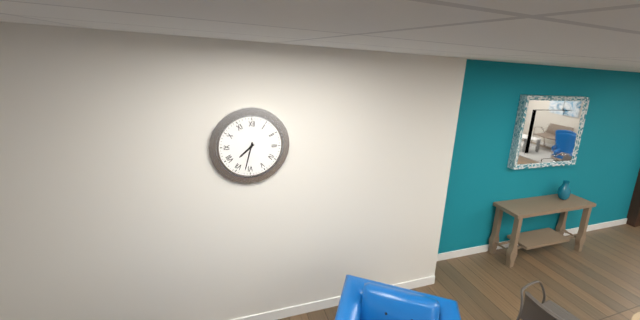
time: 7:32
